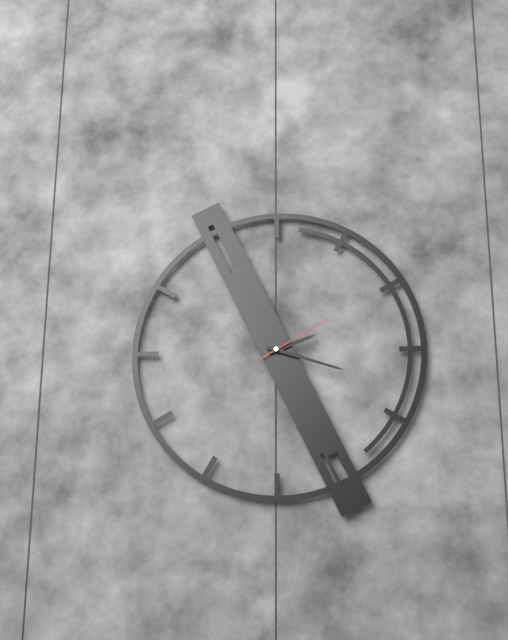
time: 2:18:10
